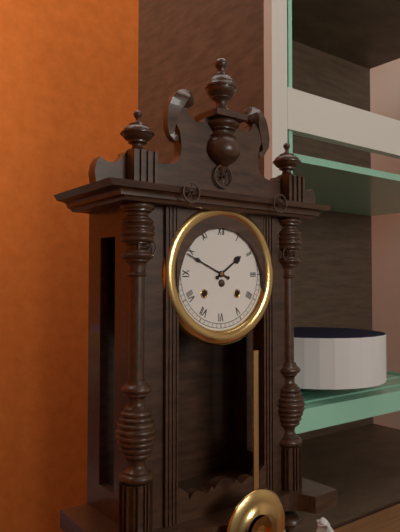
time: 1:49
